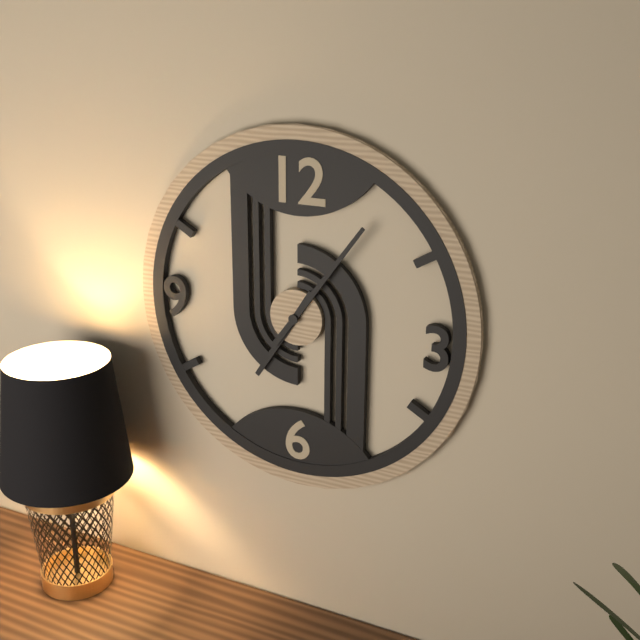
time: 7:06
